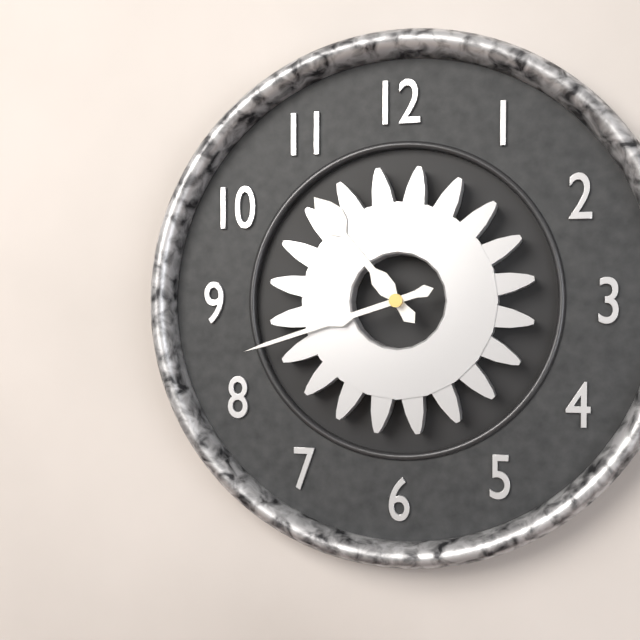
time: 10:42
